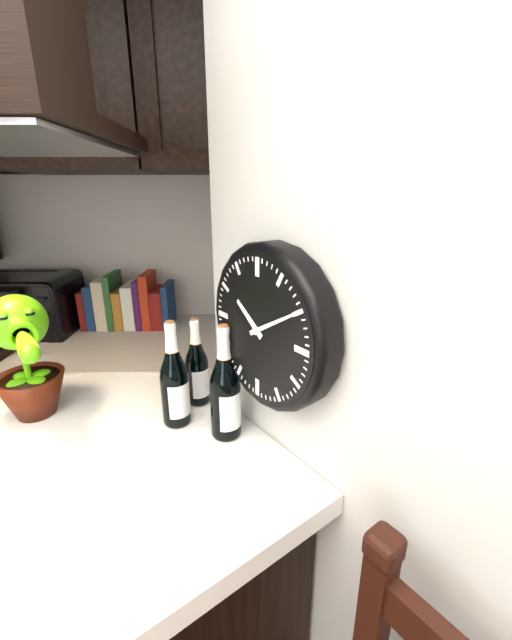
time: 10:10
